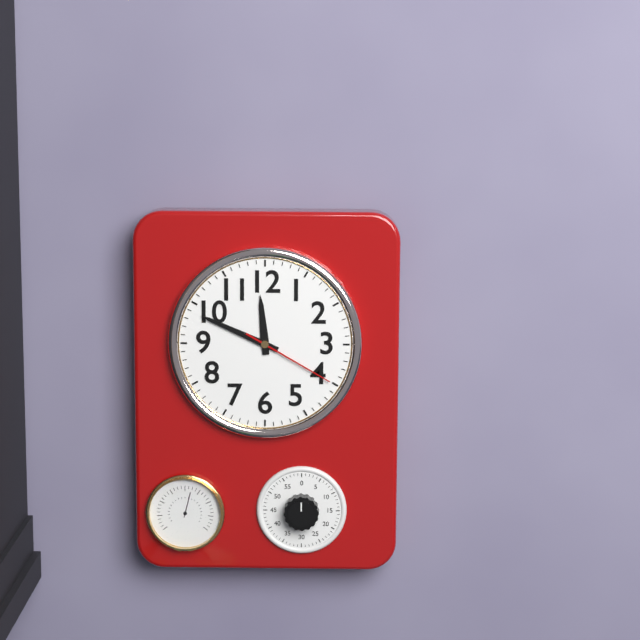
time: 11:49:20
